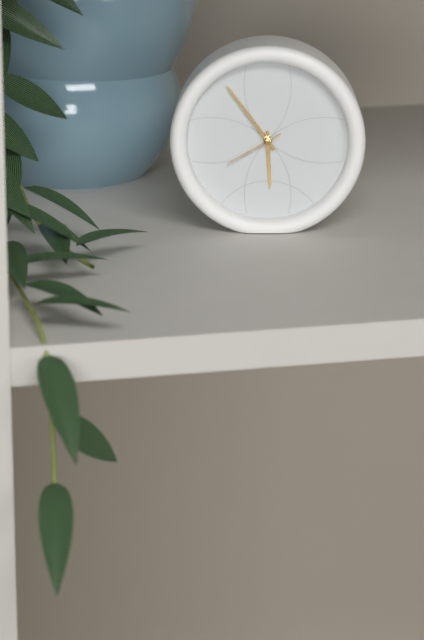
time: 5:54:40
